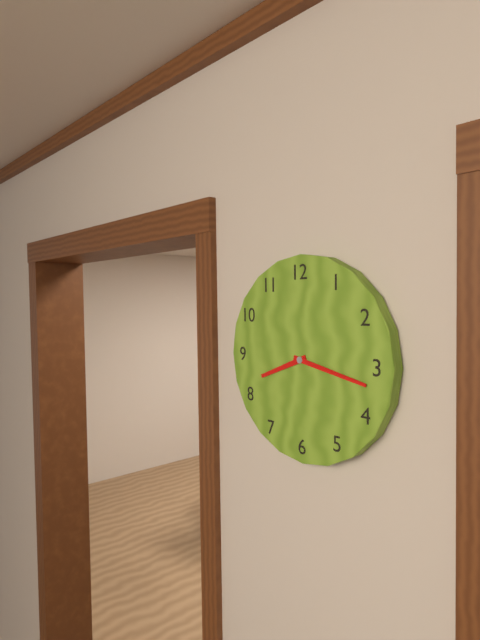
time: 8:17
